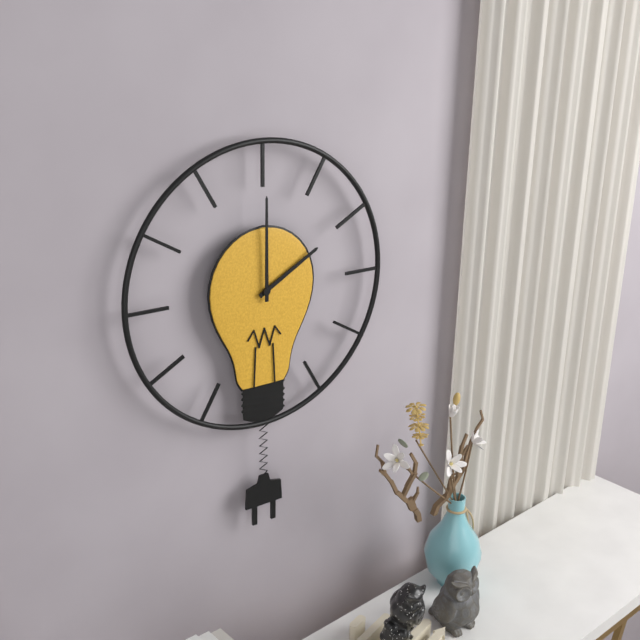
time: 2:00
